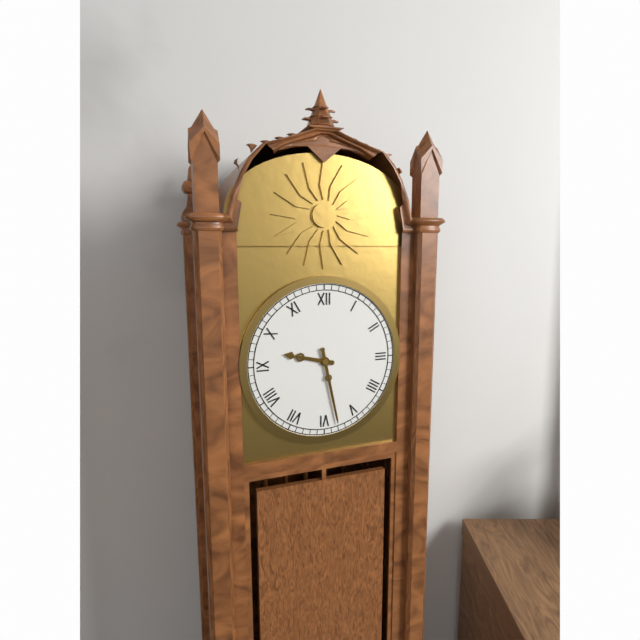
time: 9:28
